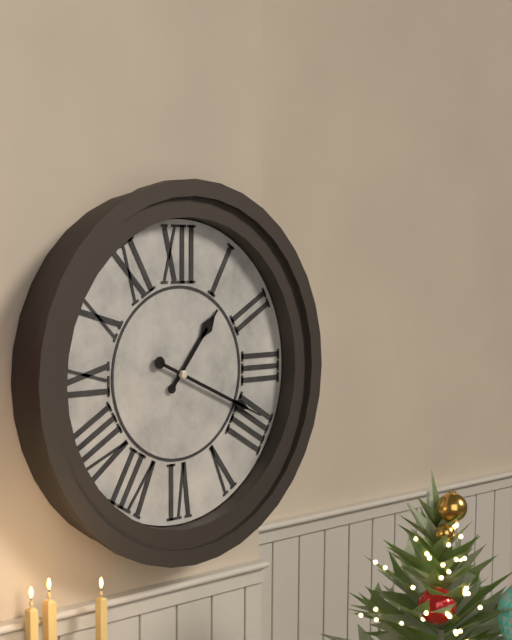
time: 1:19
